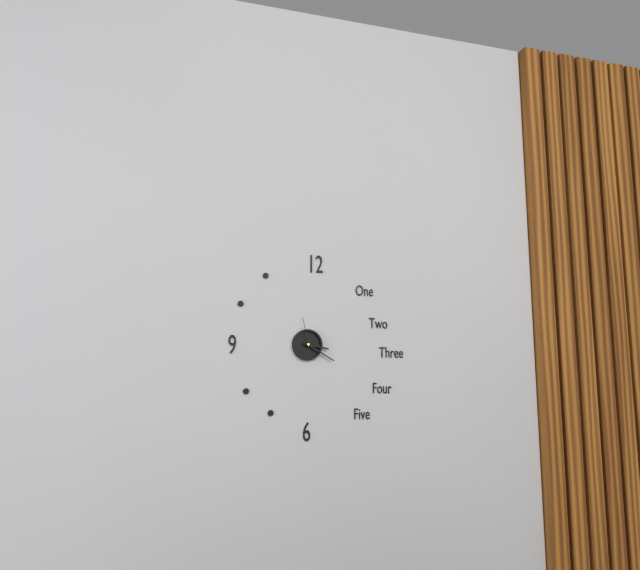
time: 3:20
